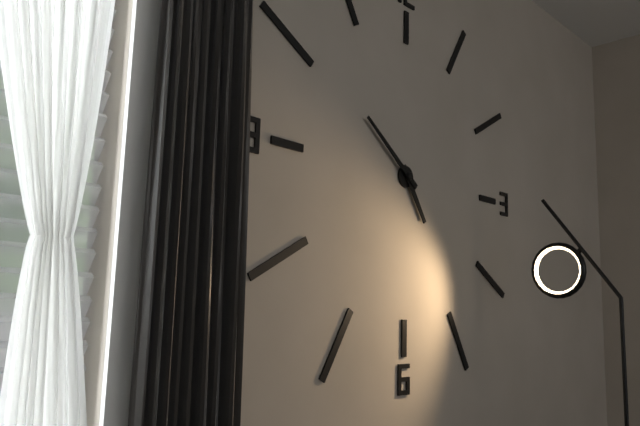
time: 4:51
